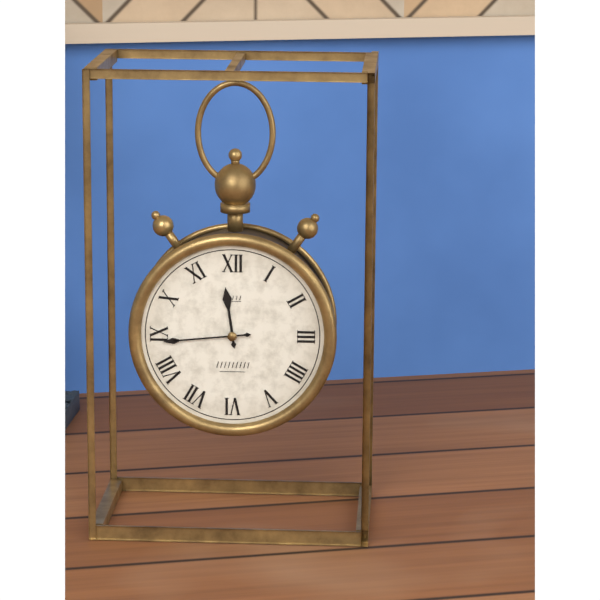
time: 11:44
